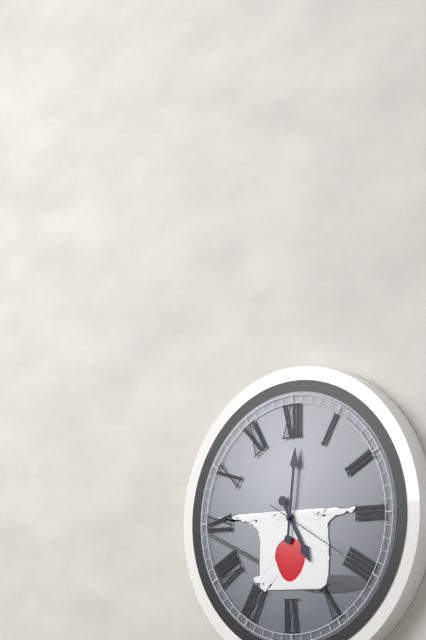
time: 5:01:20
